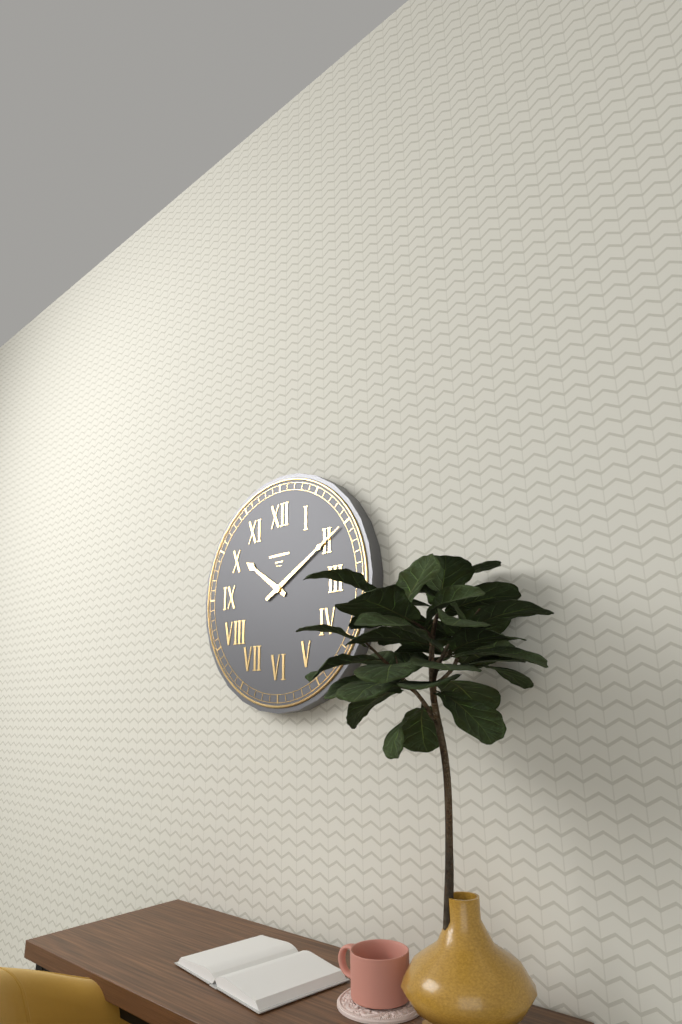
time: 10:10
